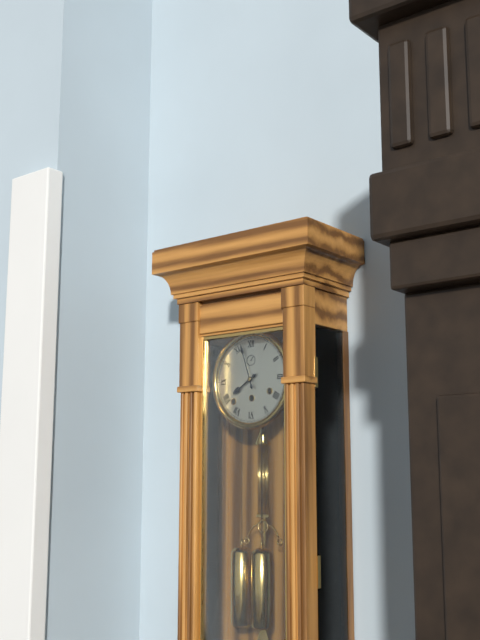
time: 7:57
